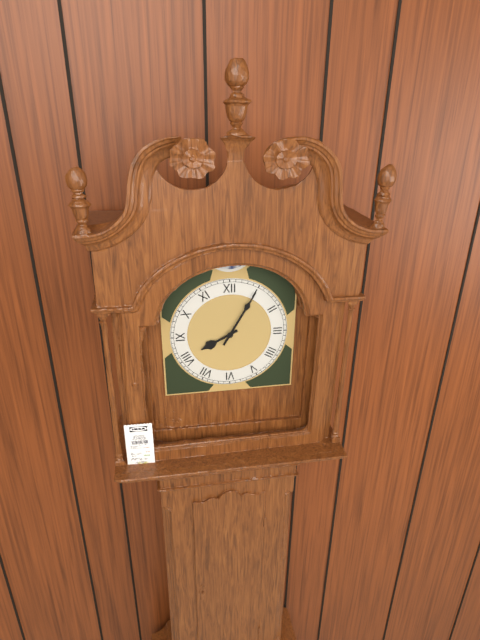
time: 8:05
